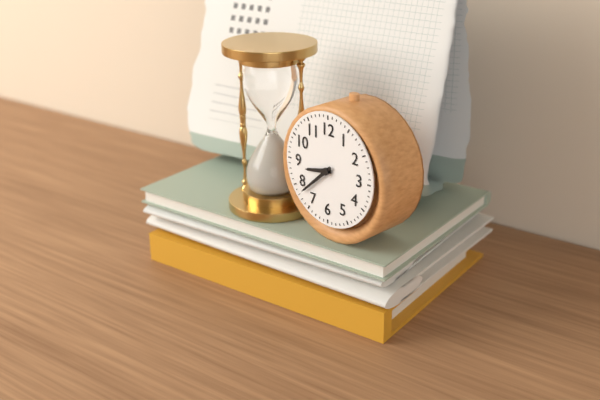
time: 8:38
